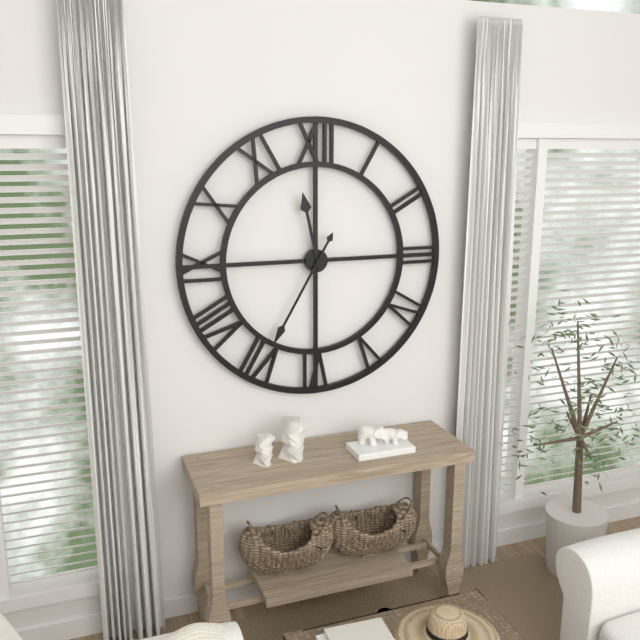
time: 11:35
